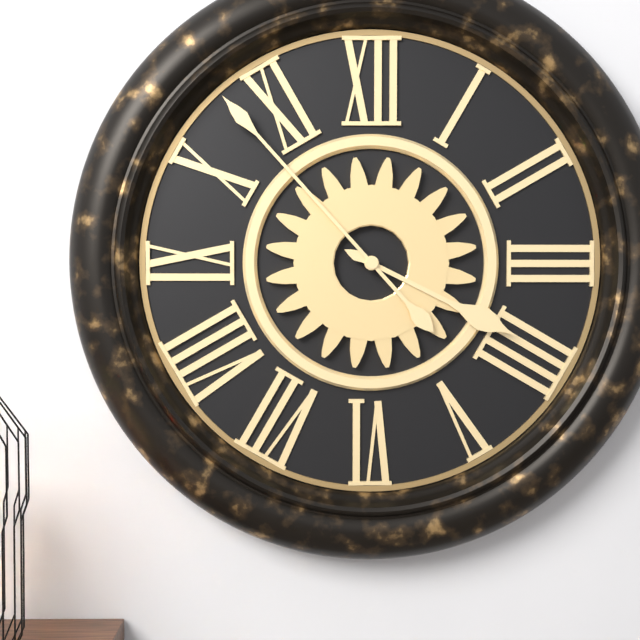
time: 3:53
